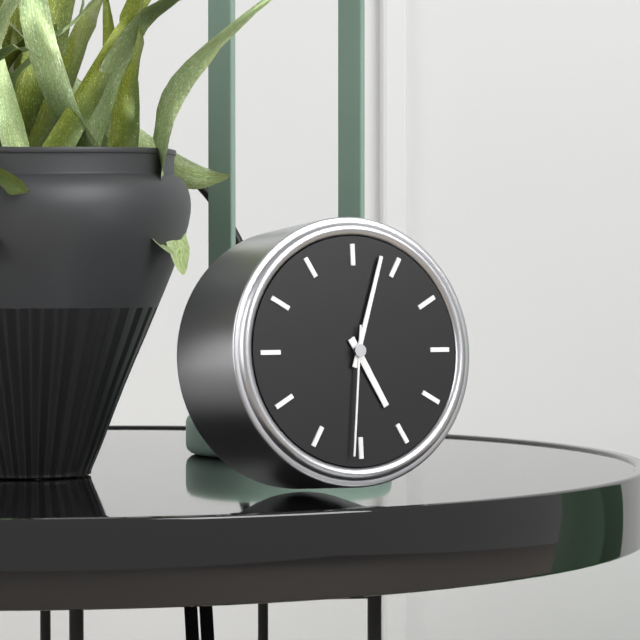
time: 5:03:31
